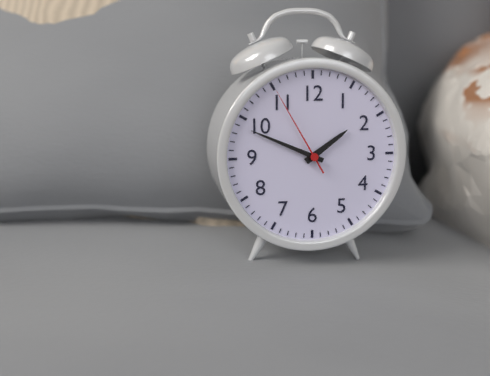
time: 1:49:55
